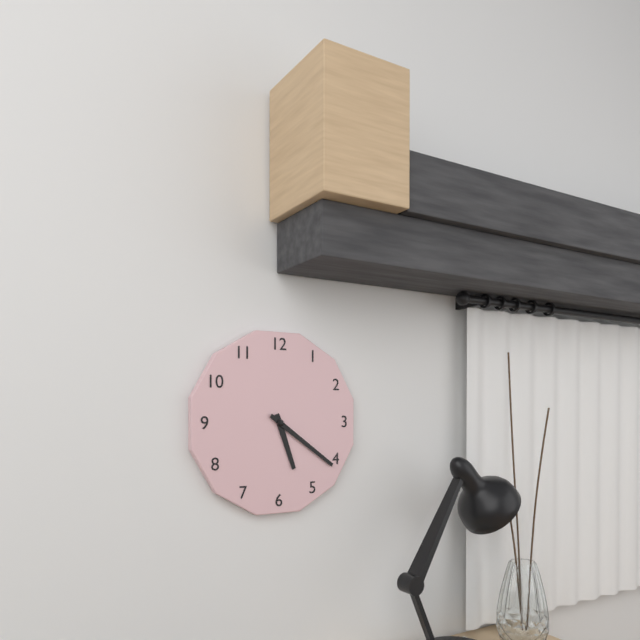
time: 5:21
